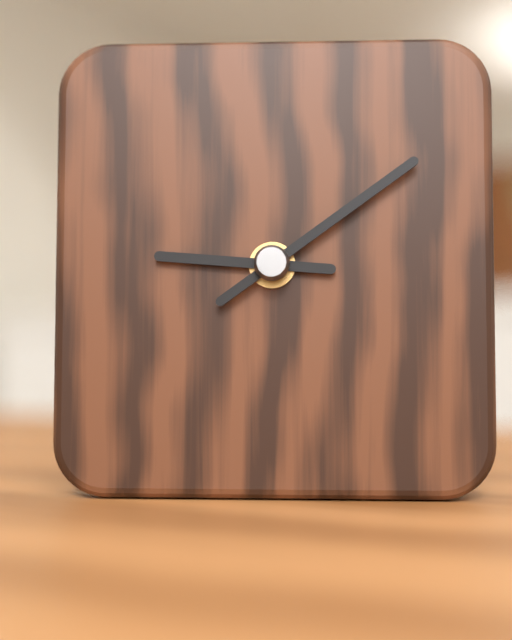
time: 9:09
